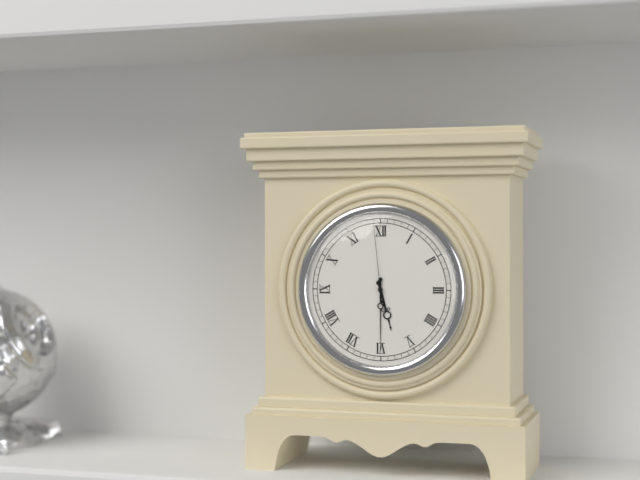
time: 5:30:59
